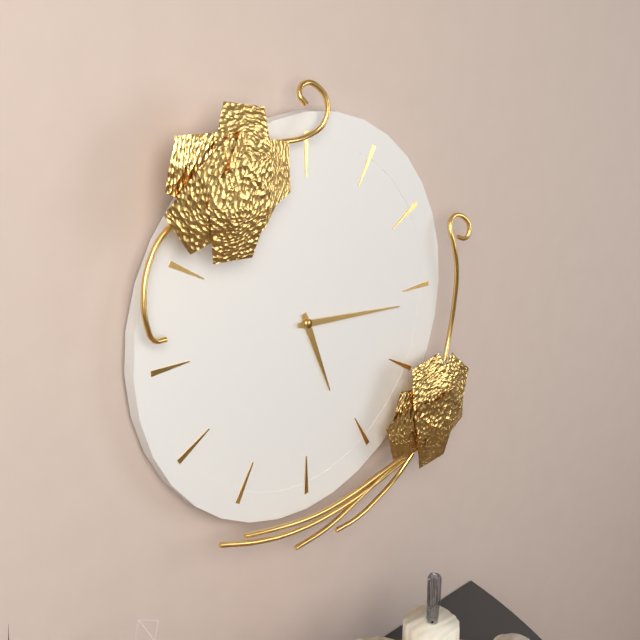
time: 5:16
